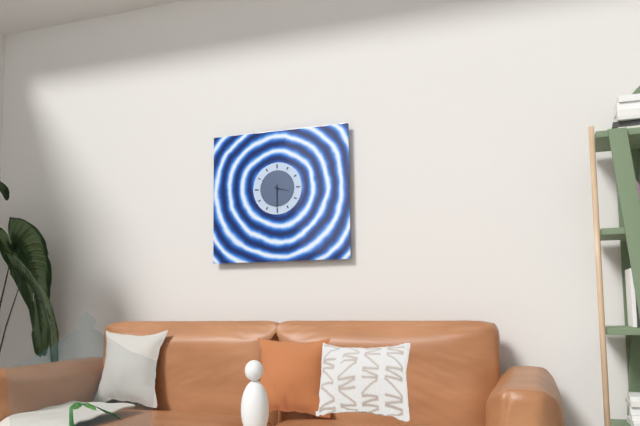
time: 3:30
